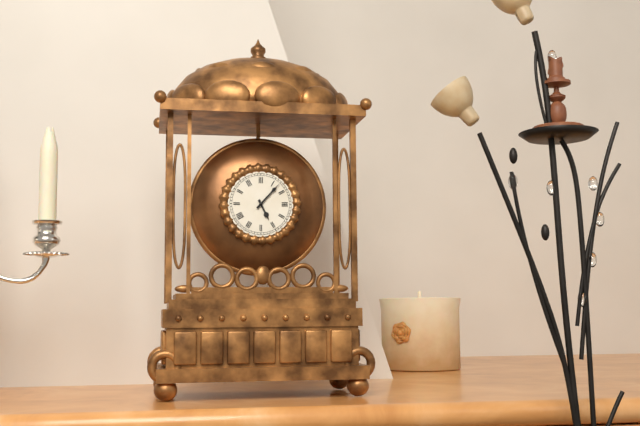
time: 5:07
